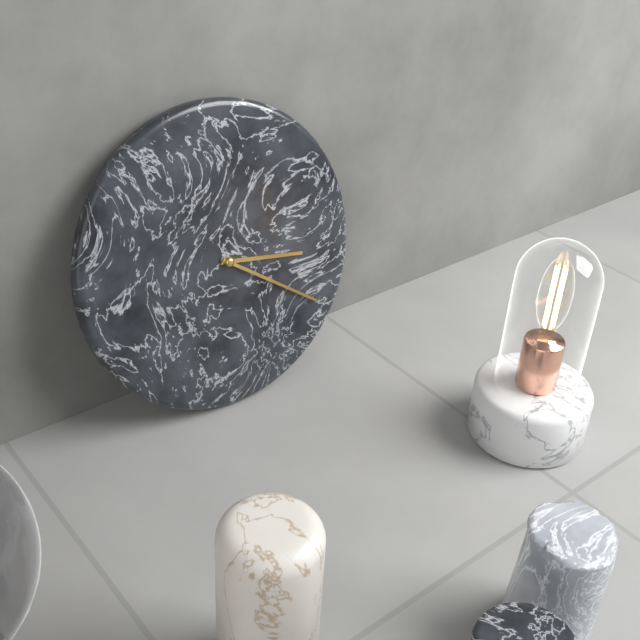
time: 3:21
